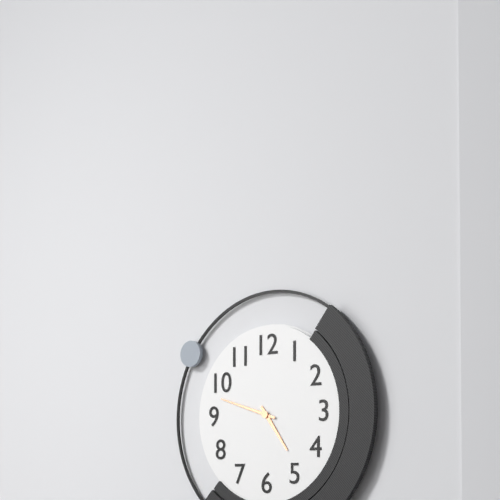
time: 4:48
